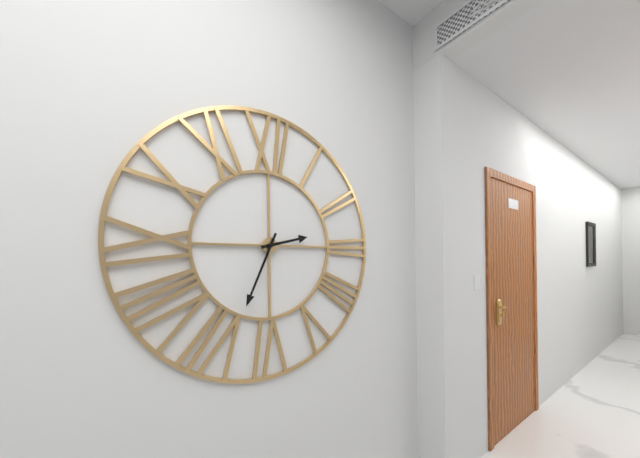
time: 2:34
